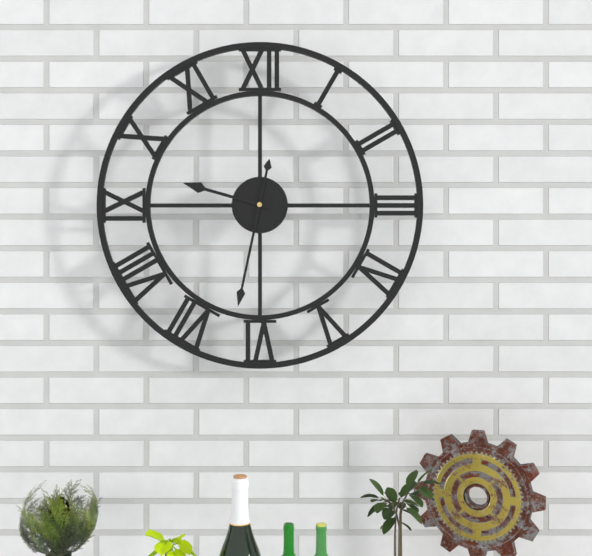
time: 9:32
